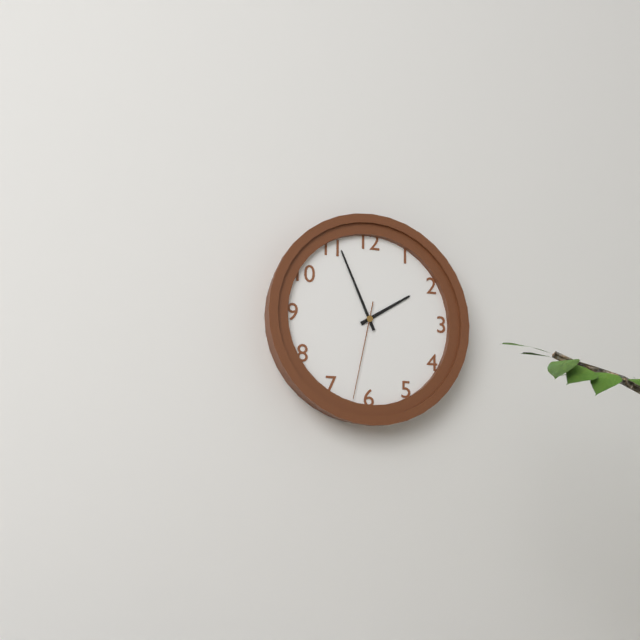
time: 1:56:32
